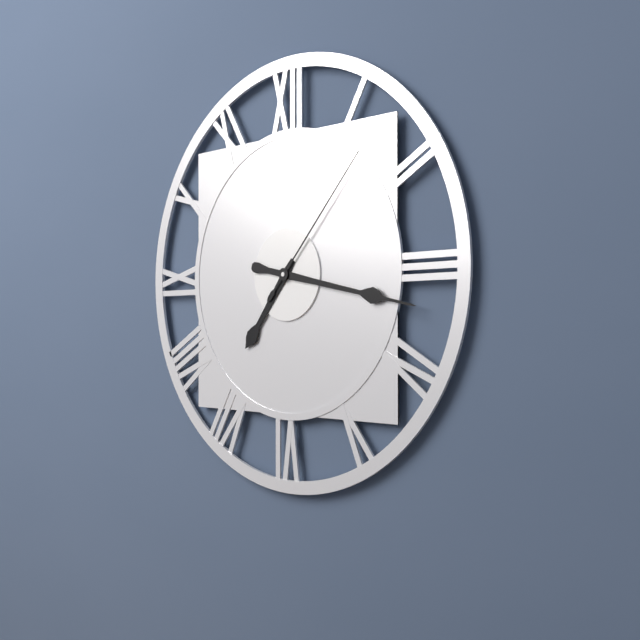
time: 7:17:07
